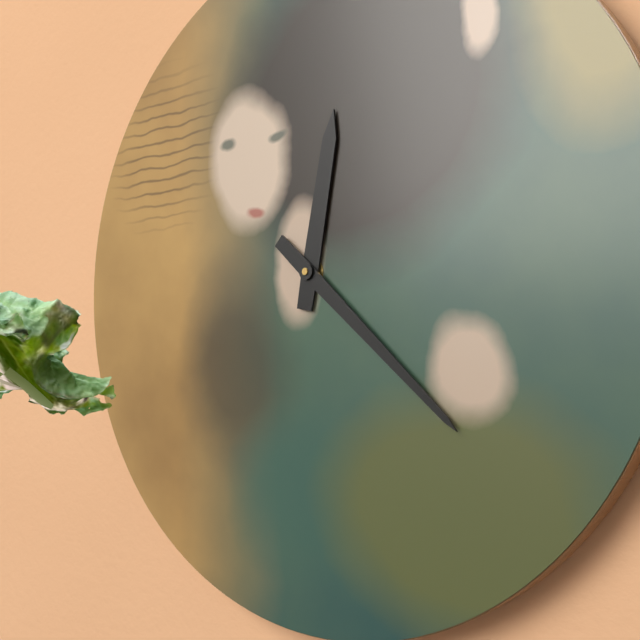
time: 12:22
